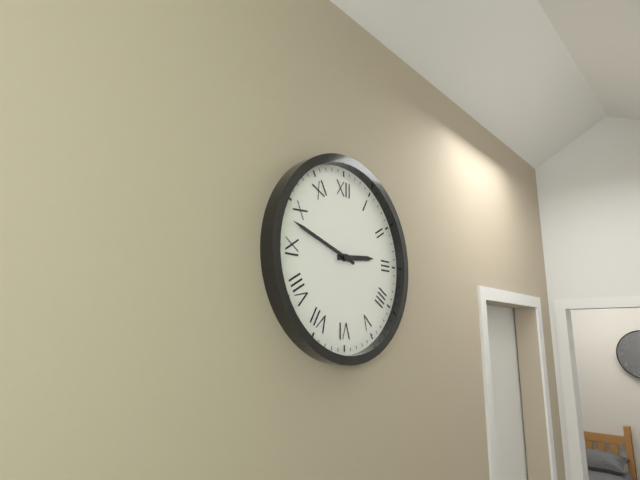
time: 2:48
